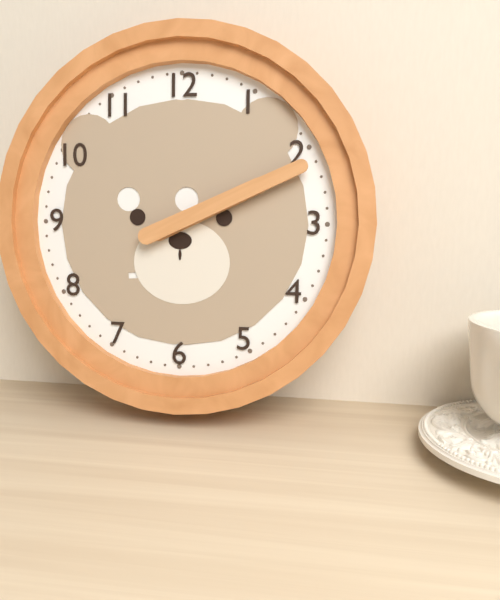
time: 2:11
